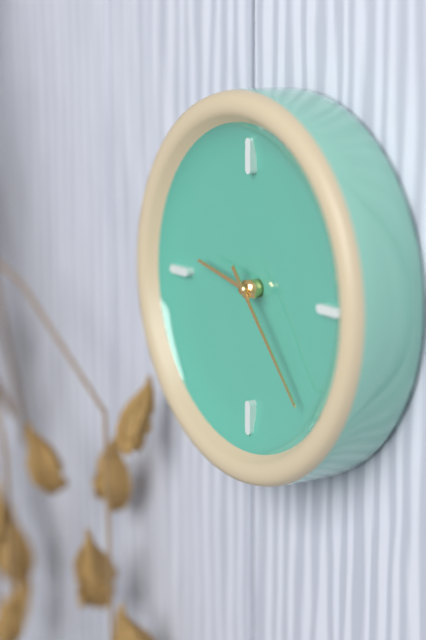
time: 9:23
